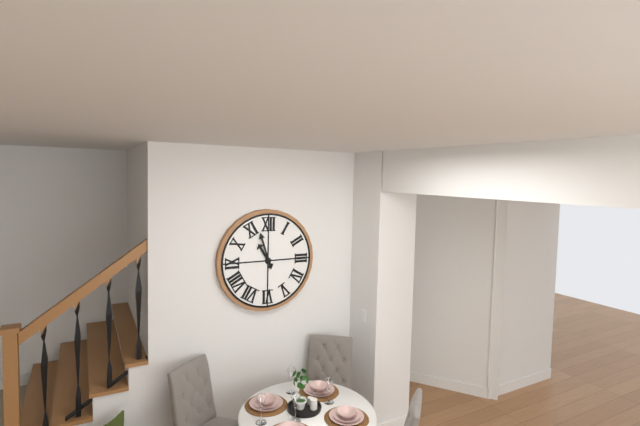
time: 10:57
